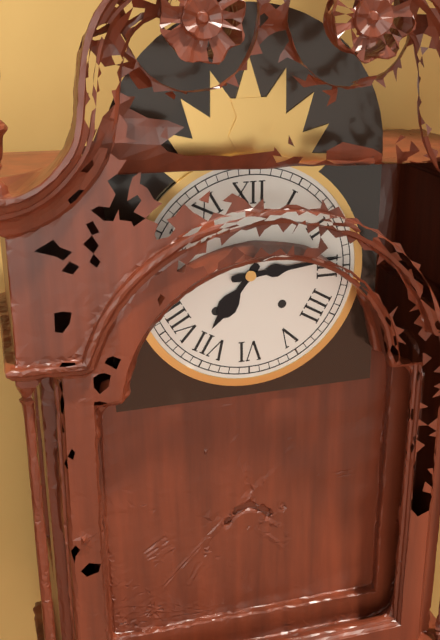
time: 7:14
